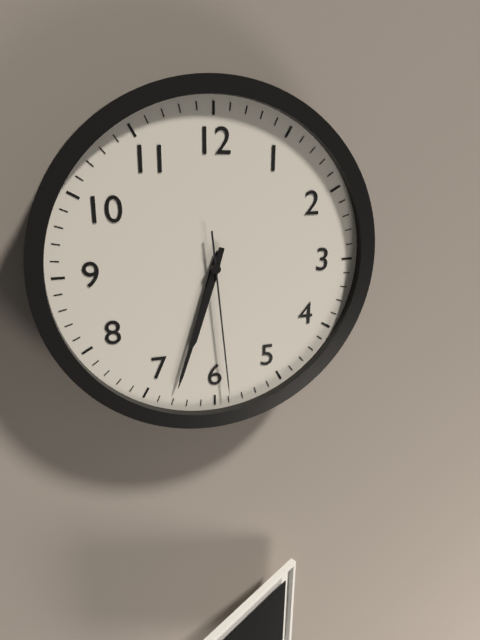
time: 6:33:29
